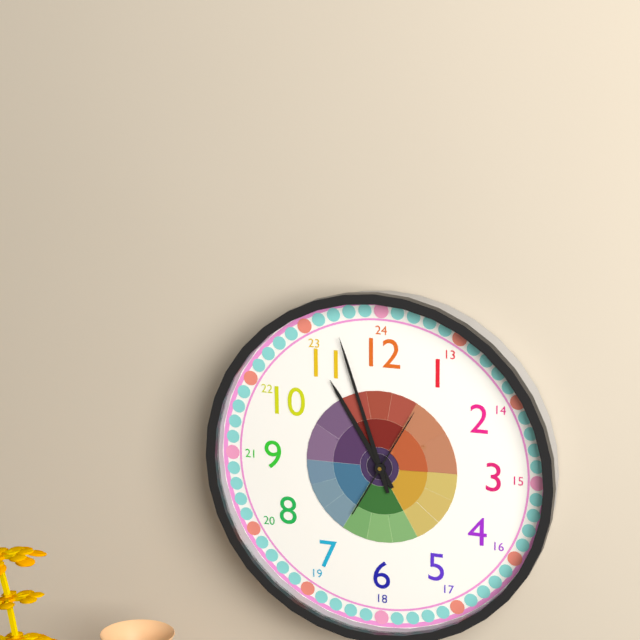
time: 10:57:05
